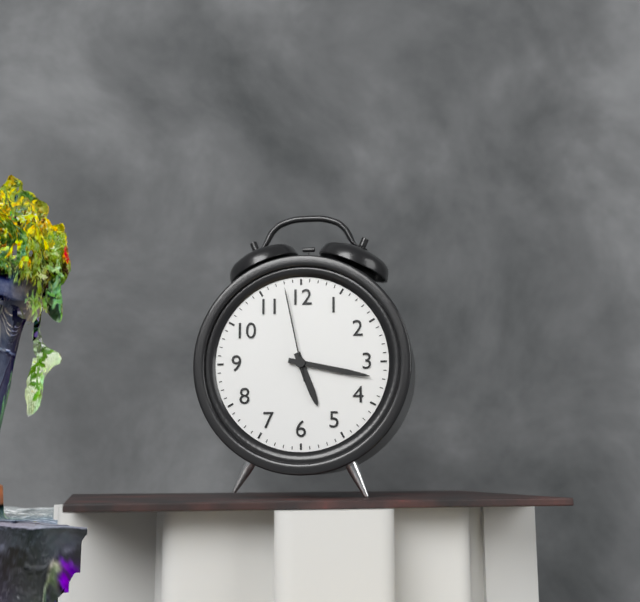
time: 5:17:58
